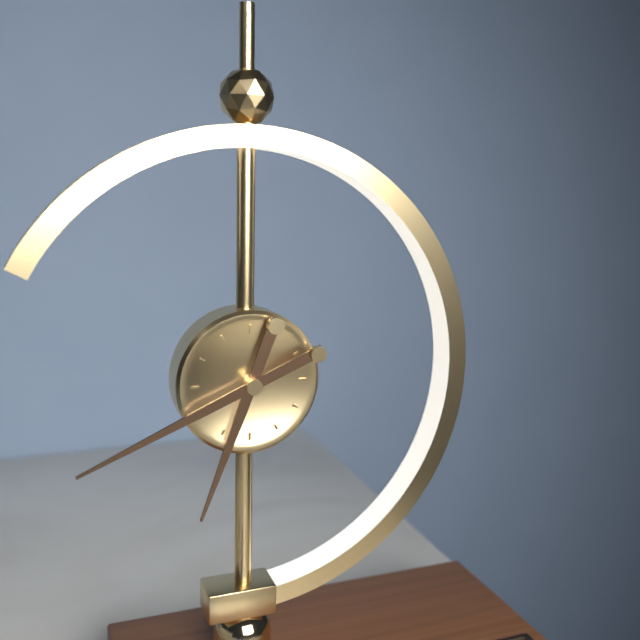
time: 6:41
